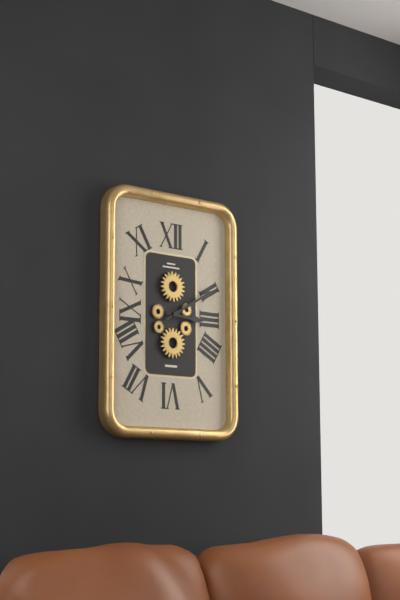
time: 3:10
